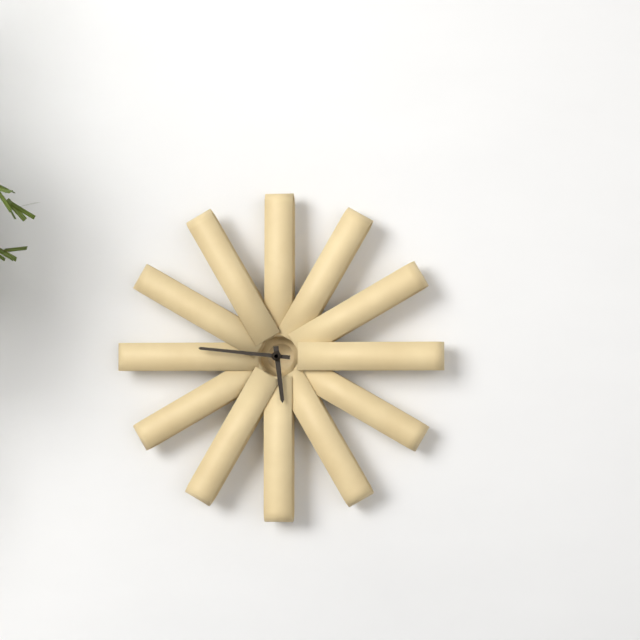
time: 5:46
